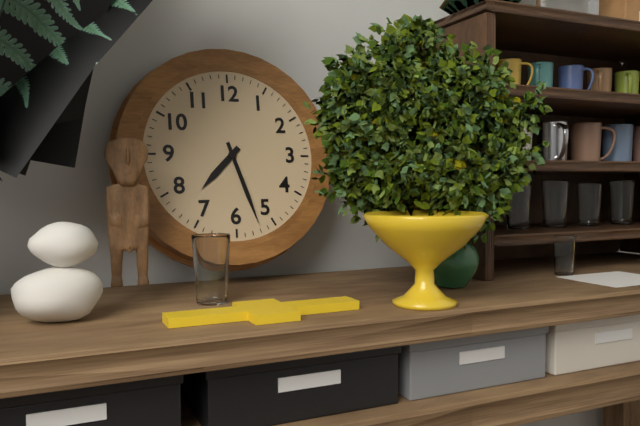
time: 7:27
